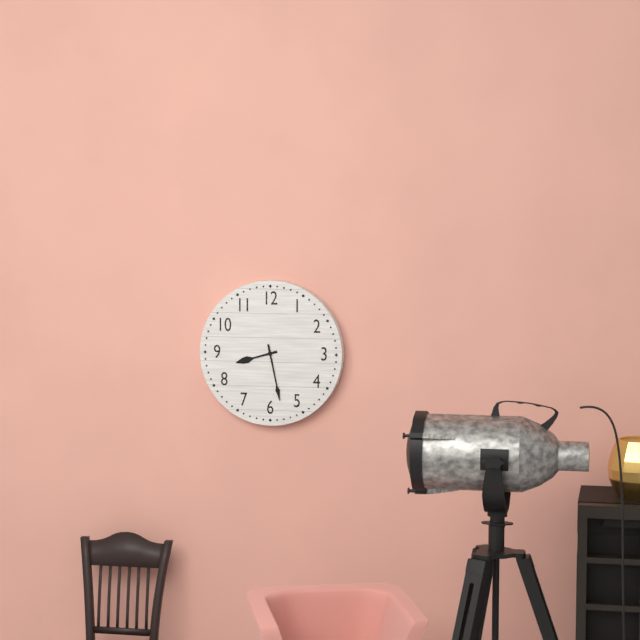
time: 8:28
